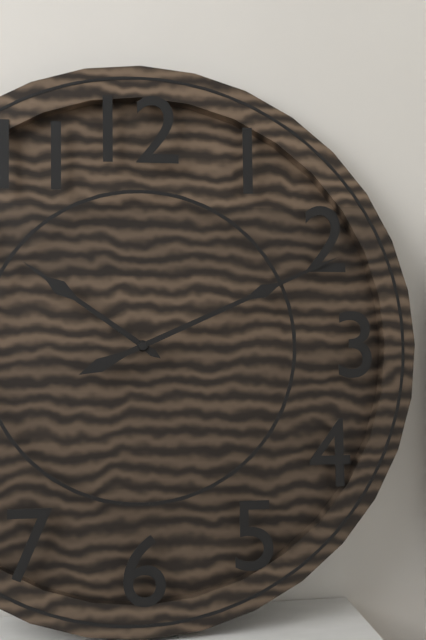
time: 10:11
